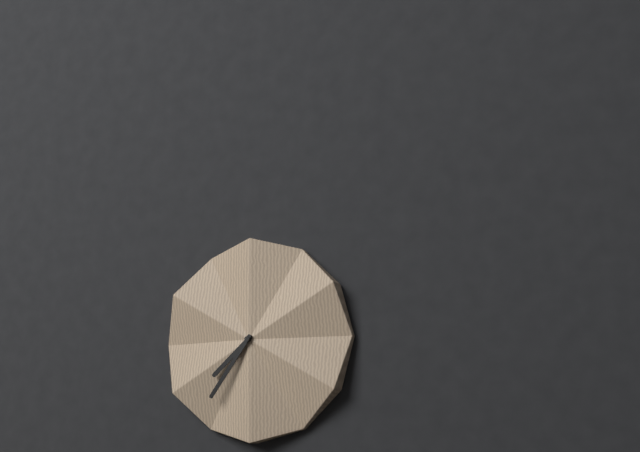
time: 7:36
